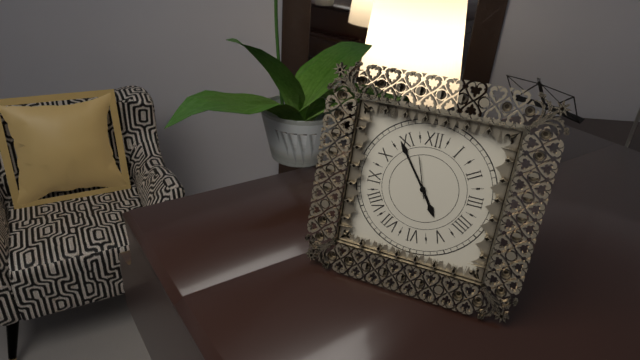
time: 4:54
